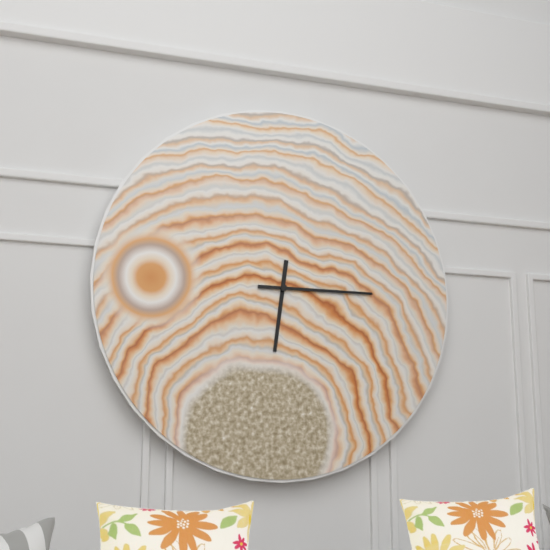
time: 6:15
